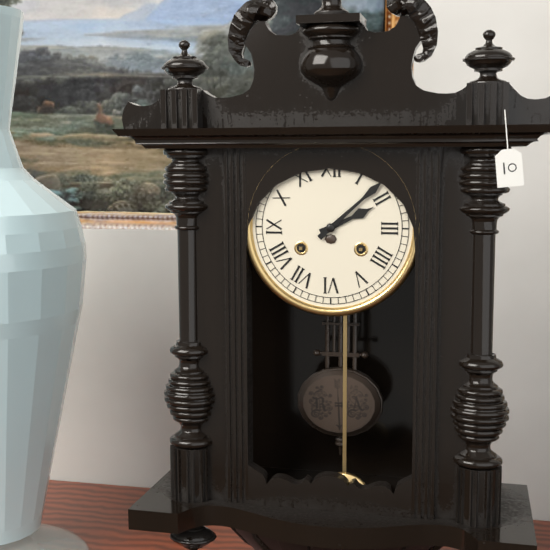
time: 2:08
